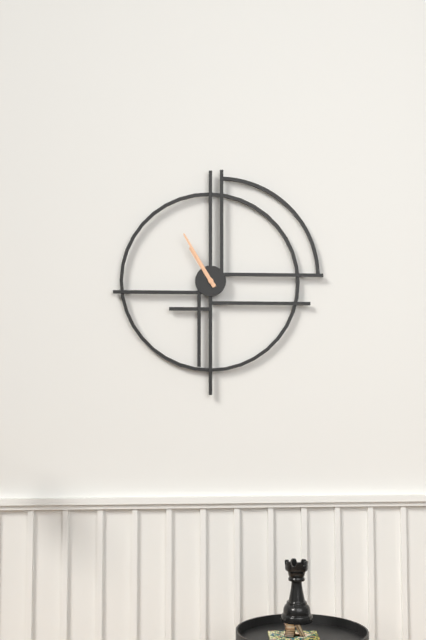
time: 10:55
